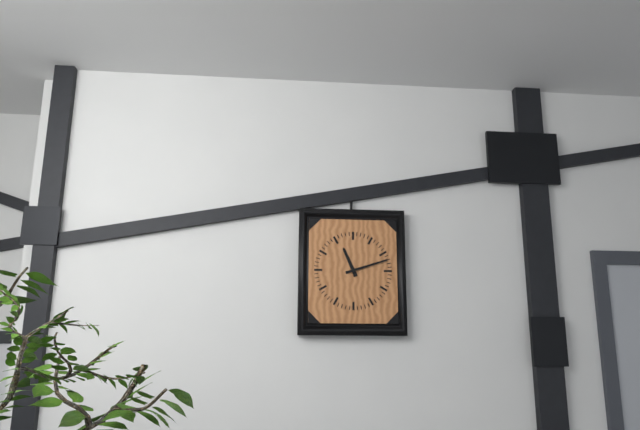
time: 11:12
